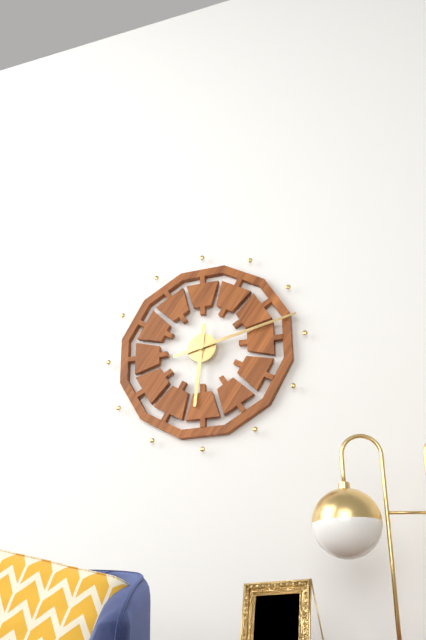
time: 6:13
